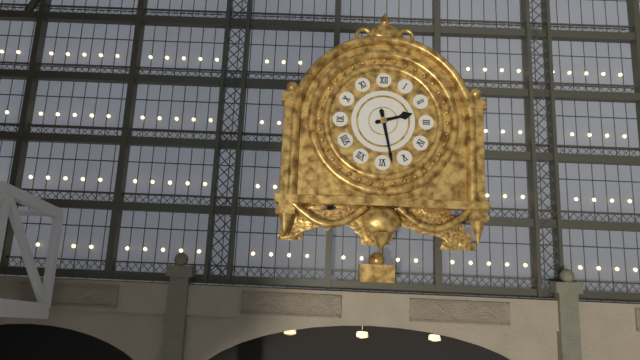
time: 2:28
